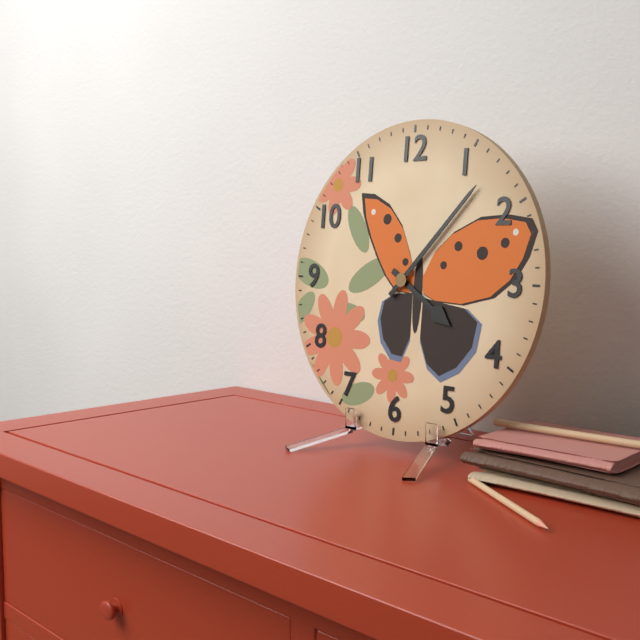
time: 4:07
